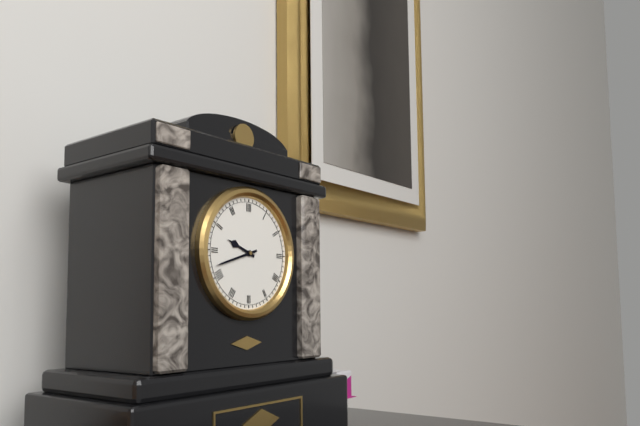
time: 9:42
